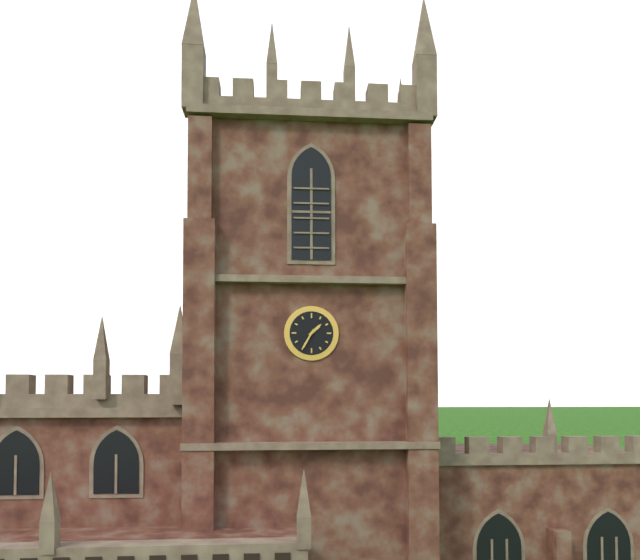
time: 1:35
